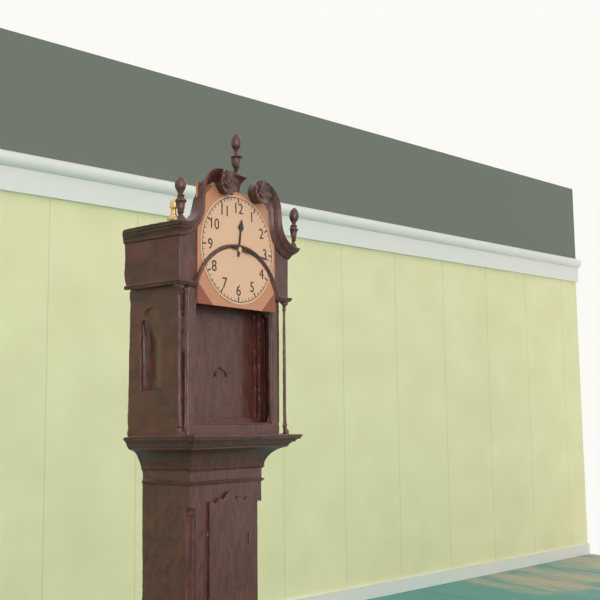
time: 12:16
